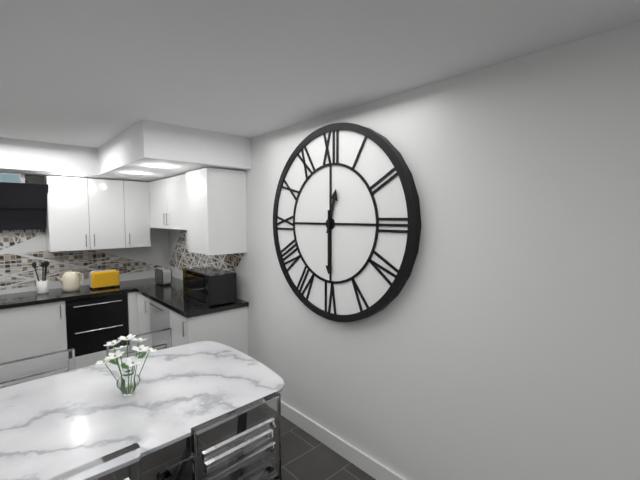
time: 12:30
